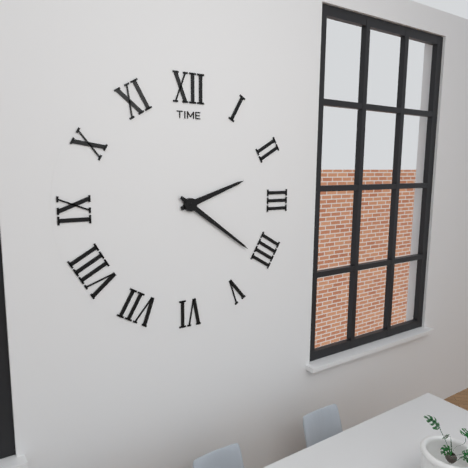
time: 2:21
